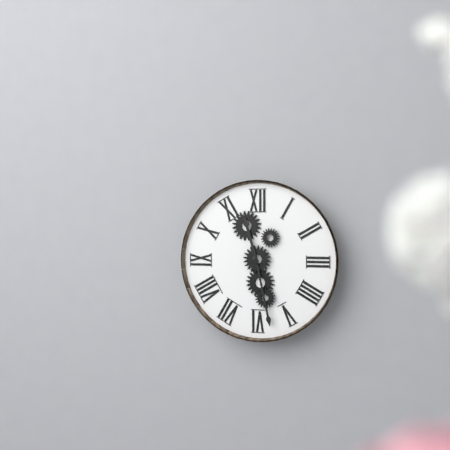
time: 11:28
